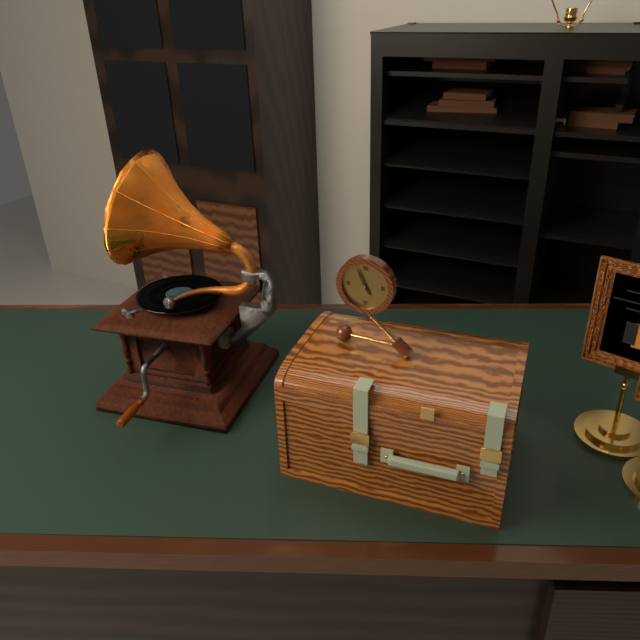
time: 4:56
